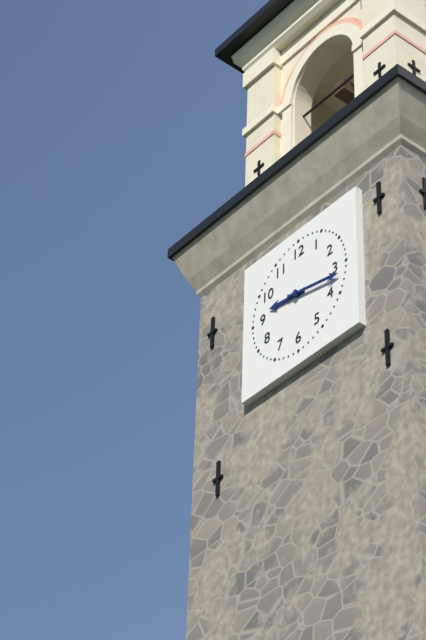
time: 9:17
